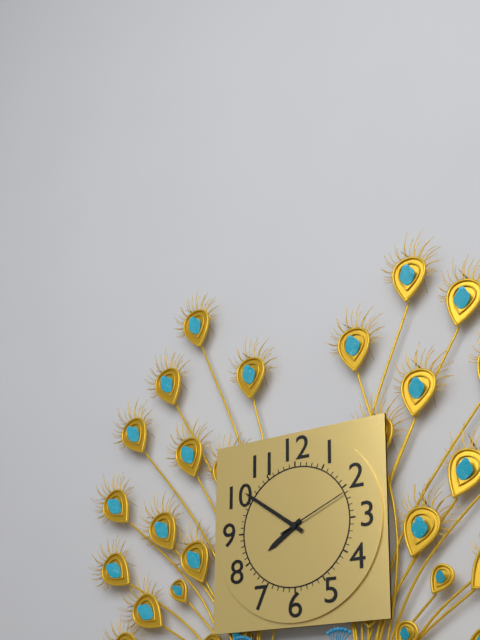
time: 7:51:11
